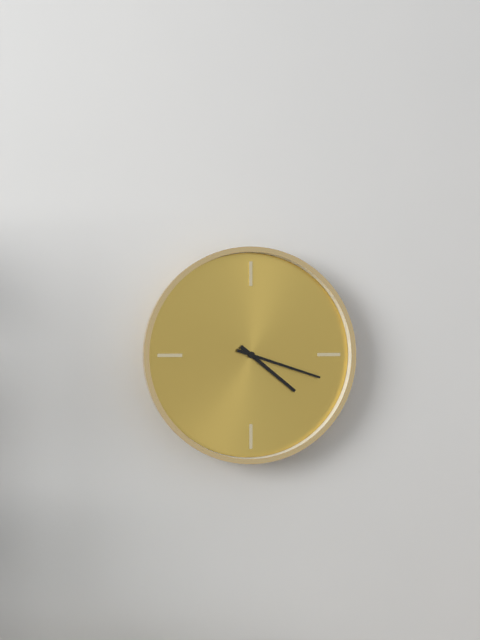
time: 4:18
